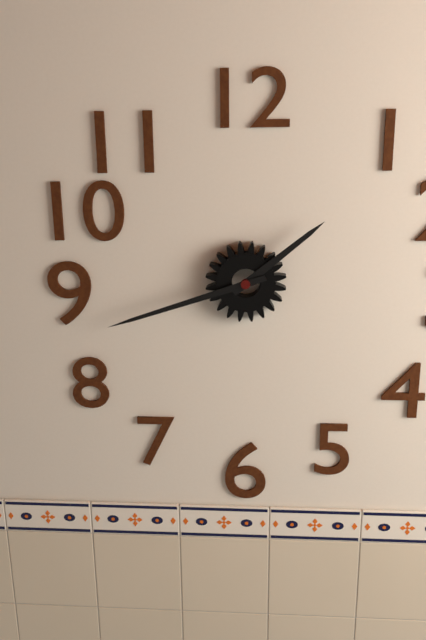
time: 1:42
